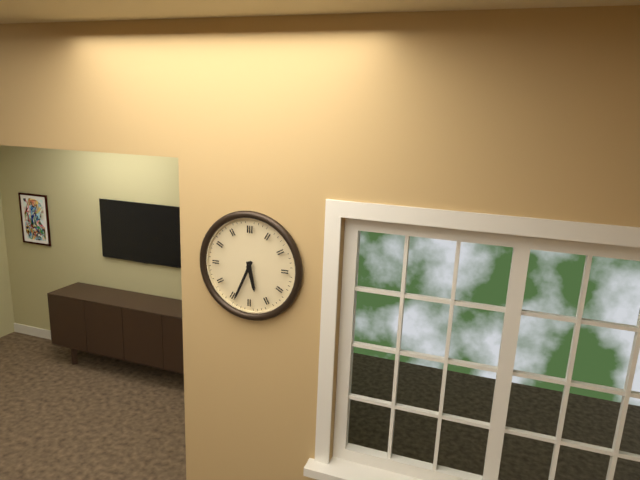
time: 5:34
